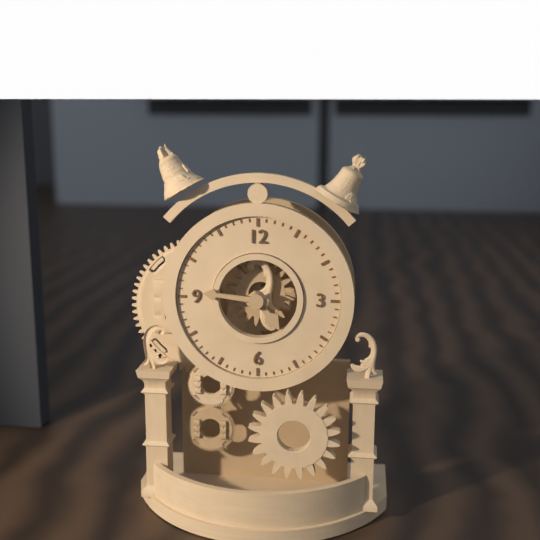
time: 4:46
